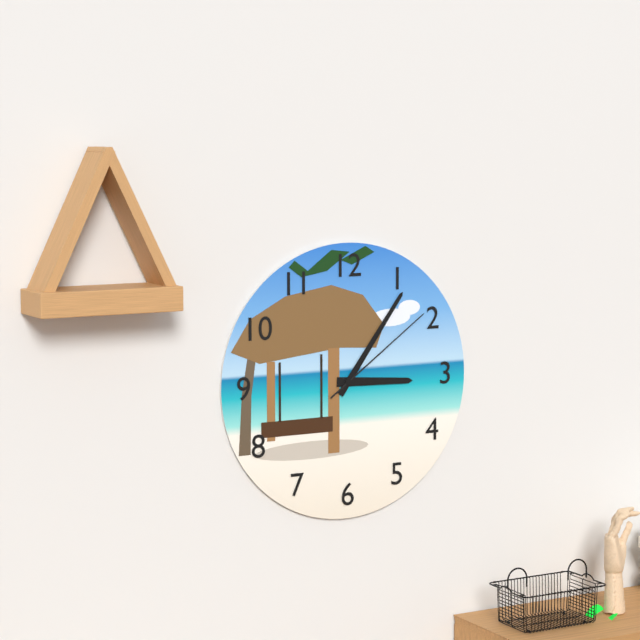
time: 3:06:09
